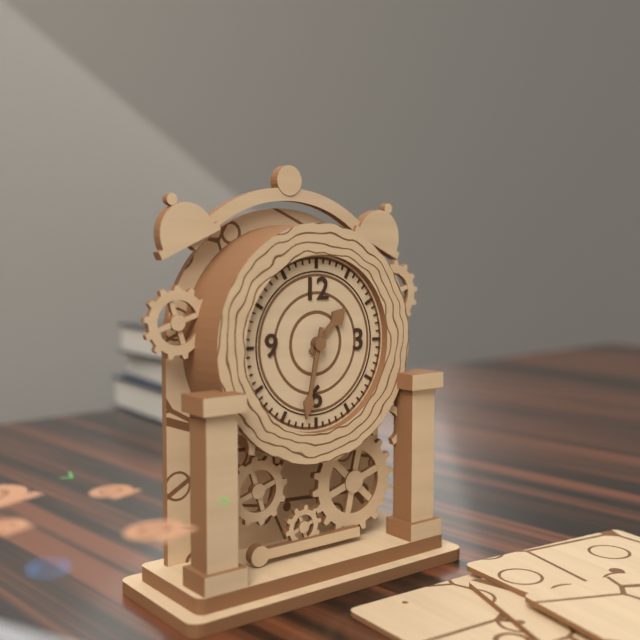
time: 1:32
